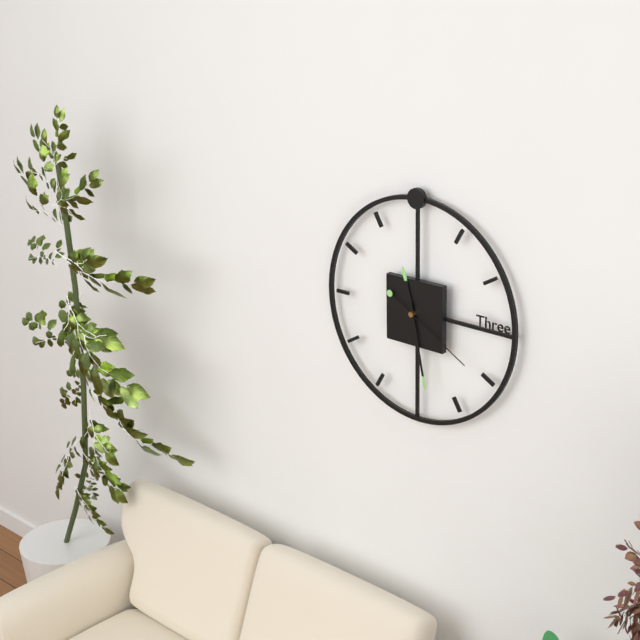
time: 11:28:20
